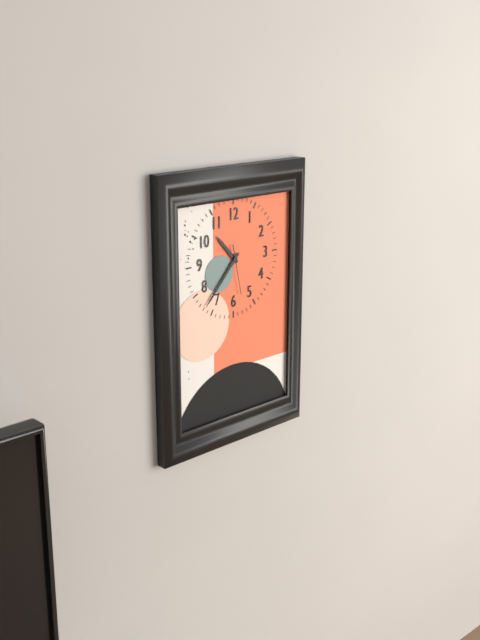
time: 10:37
